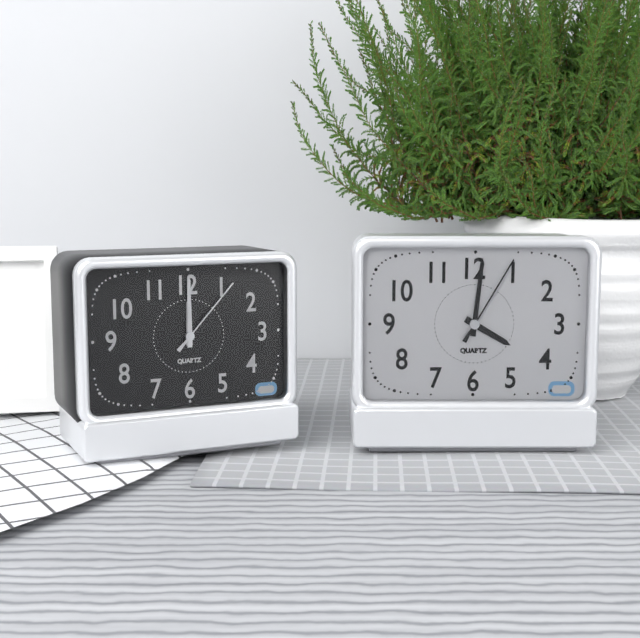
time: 4:01:05
